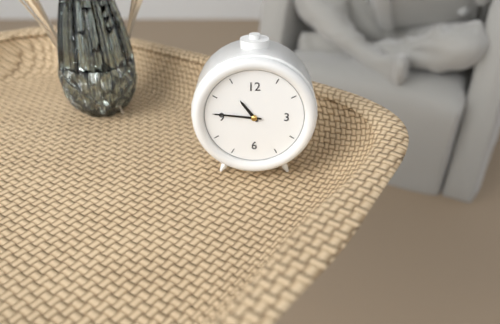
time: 10:46
